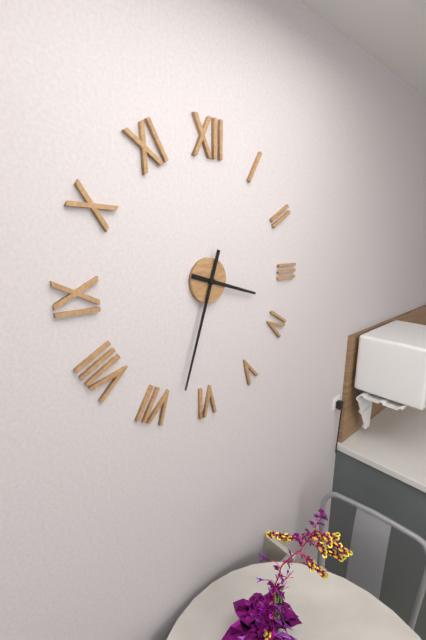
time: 3:33
